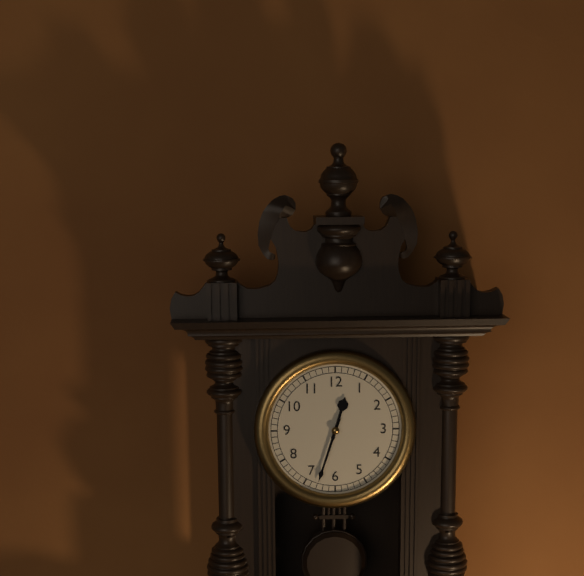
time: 12:33
